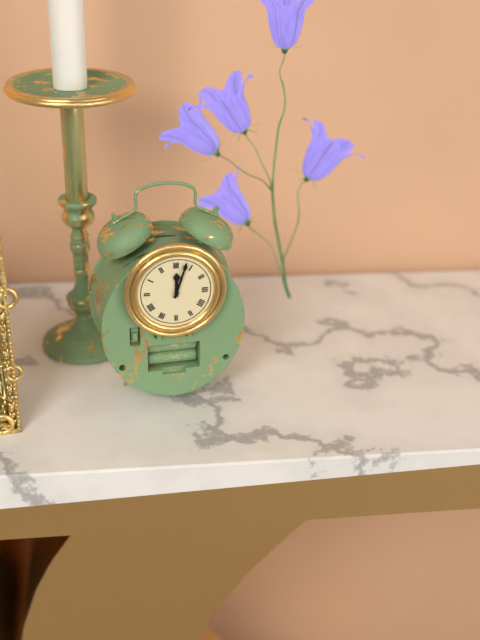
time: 12:03
